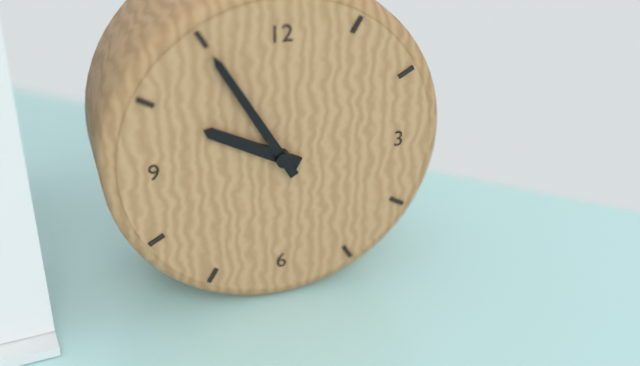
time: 9:55
